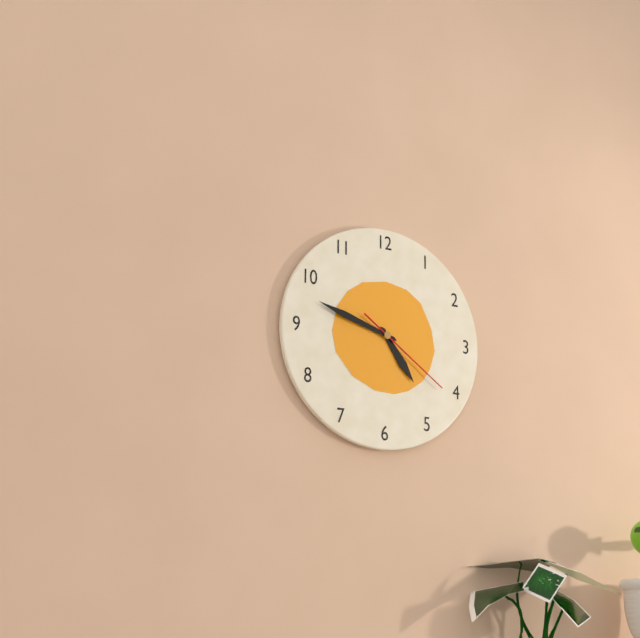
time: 4:48:21
